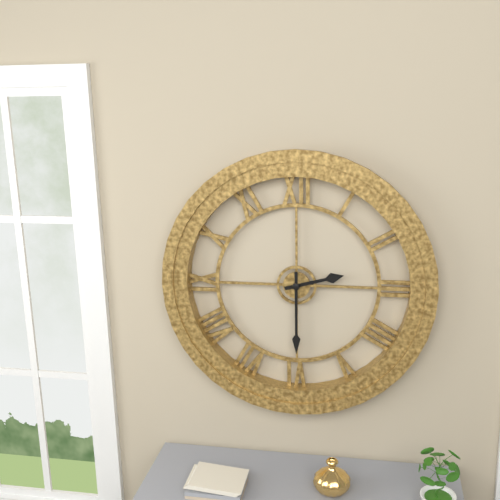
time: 2:30
